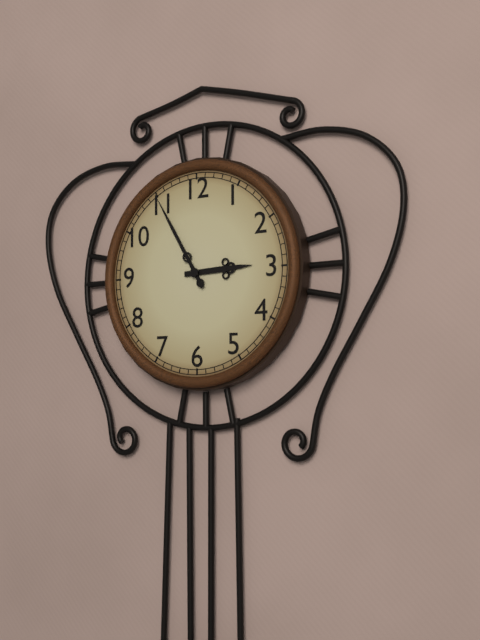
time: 2:55
